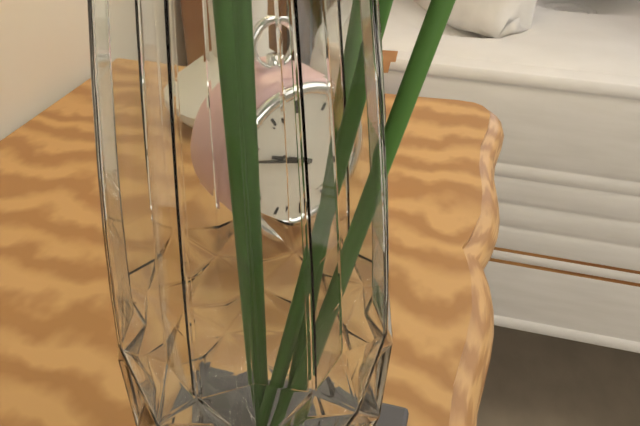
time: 9:48
